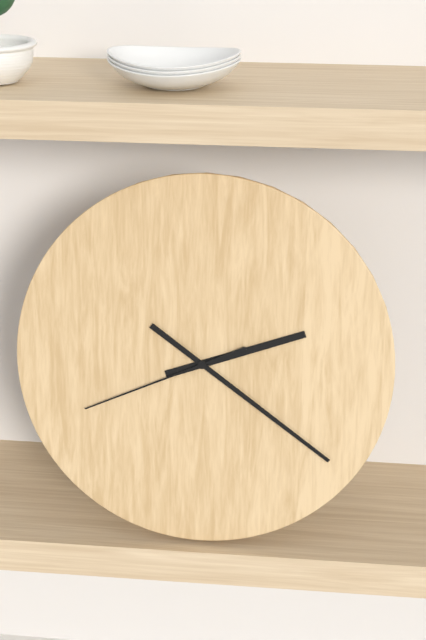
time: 2:21:41
